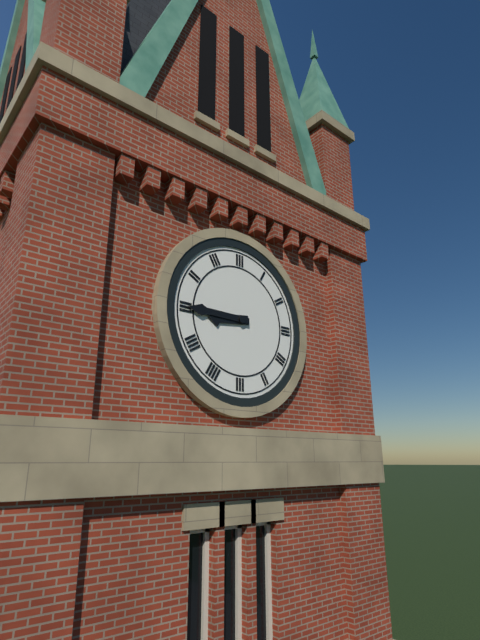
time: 8:45
